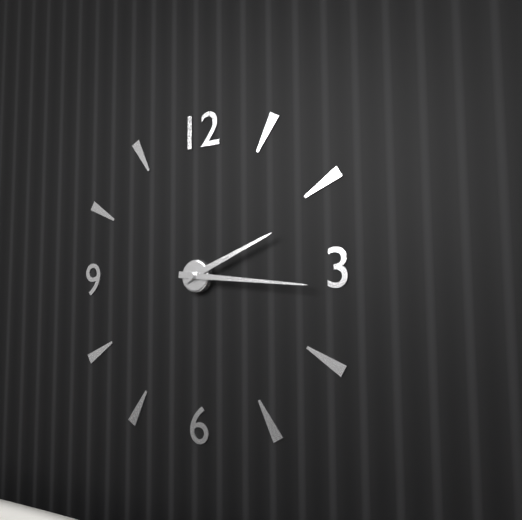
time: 2:16
